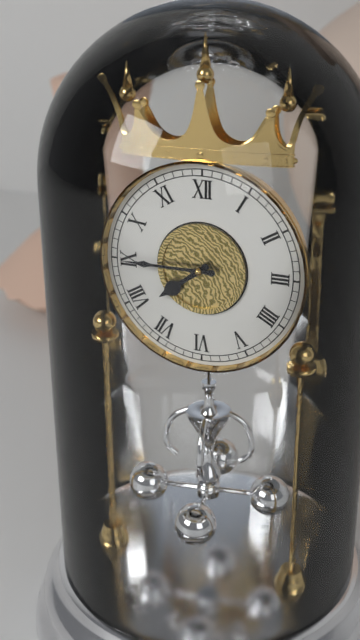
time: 7:45
